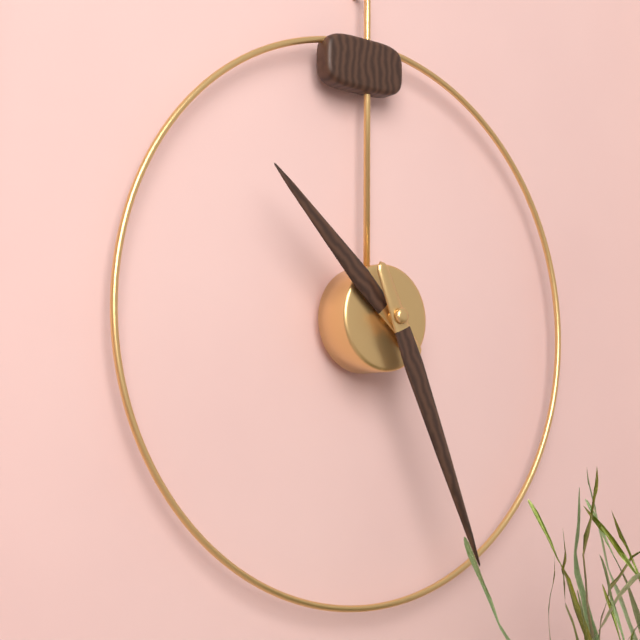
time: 10:26
